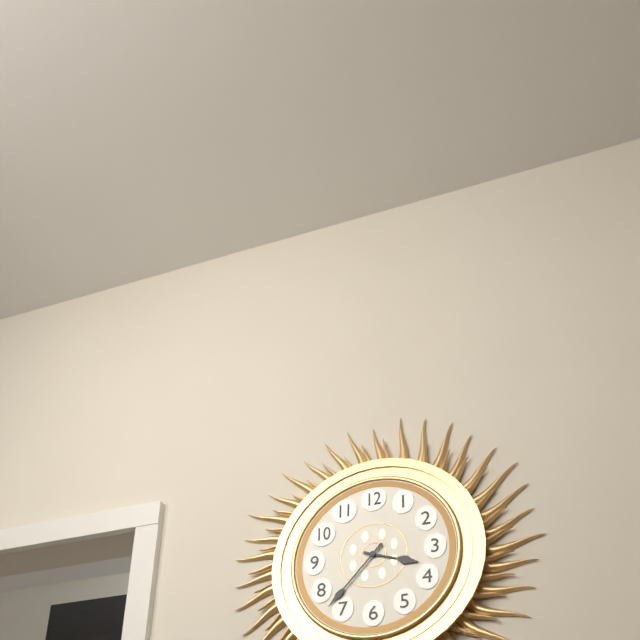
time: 3:37
